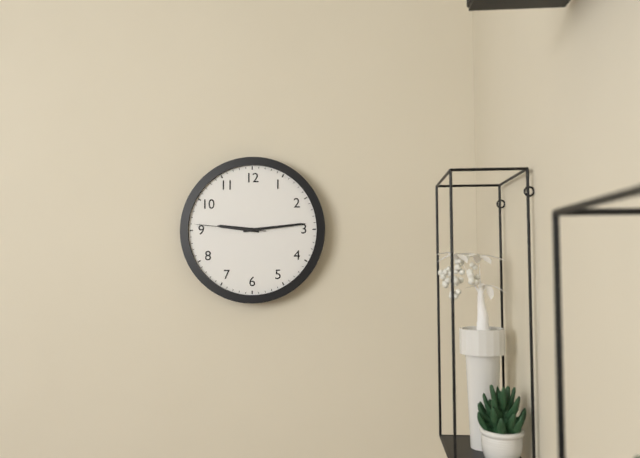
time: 9:14:46
